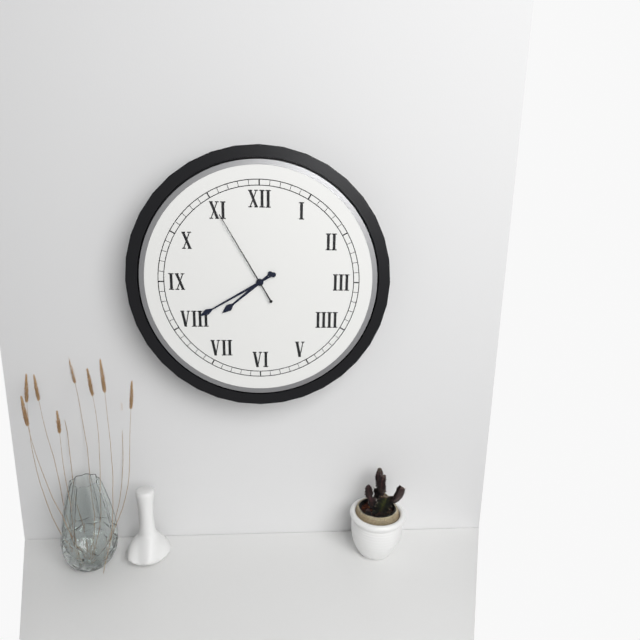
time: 7:40:55
